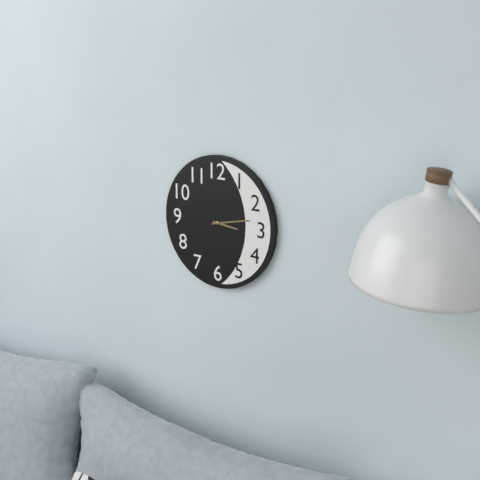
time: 3:13
